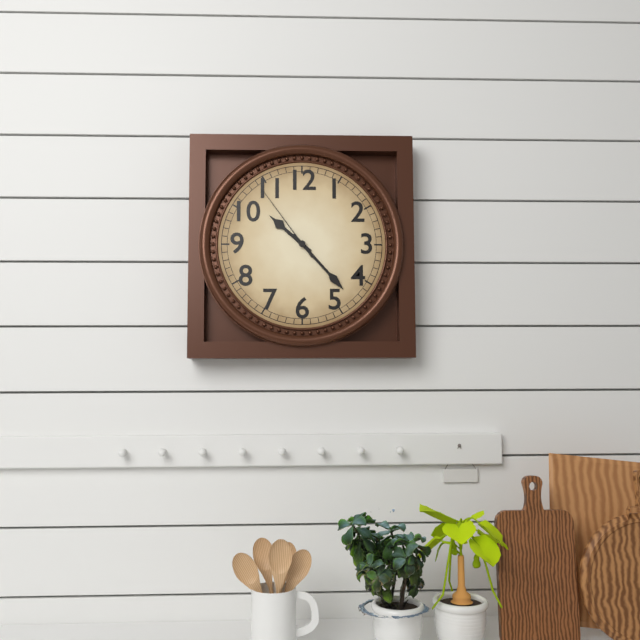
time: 10:23:54
